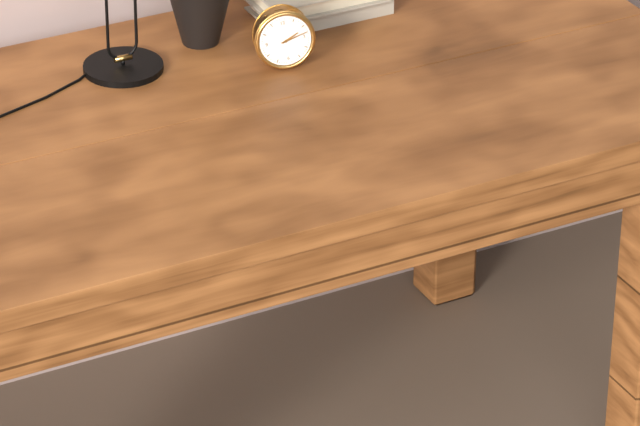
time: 2:13
